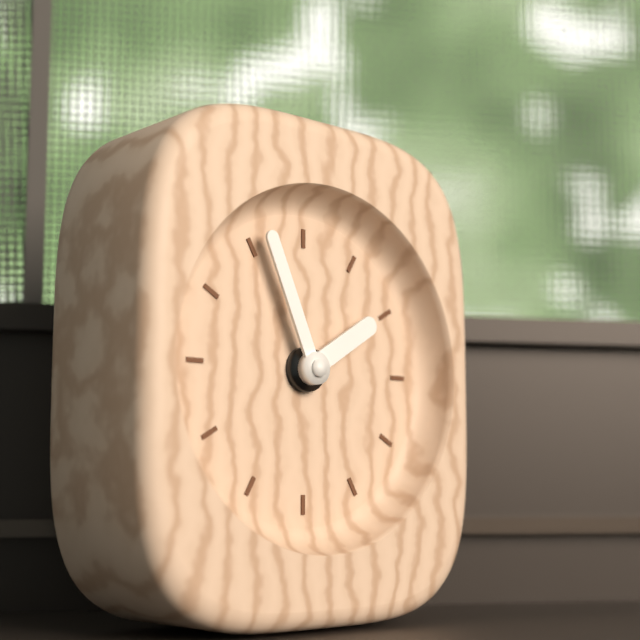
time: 1:56
